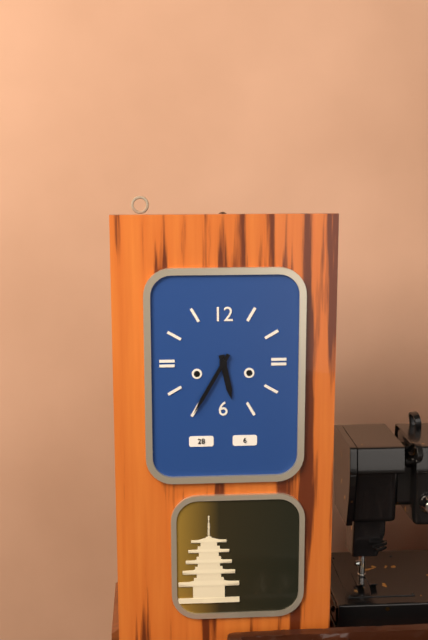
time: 5:35
